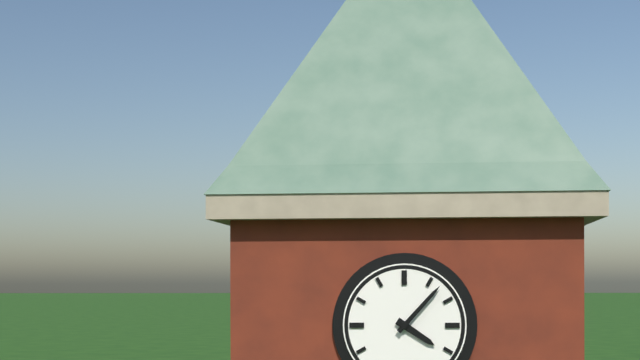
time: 4:07
